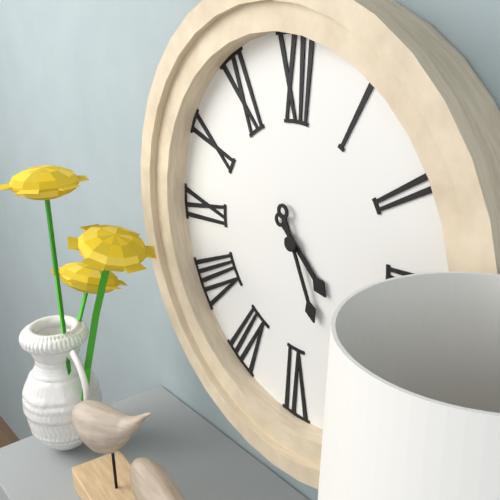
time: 4:26
